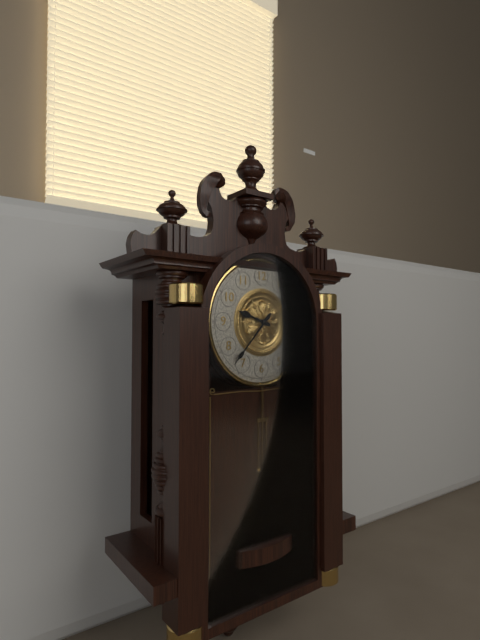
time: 9:37
